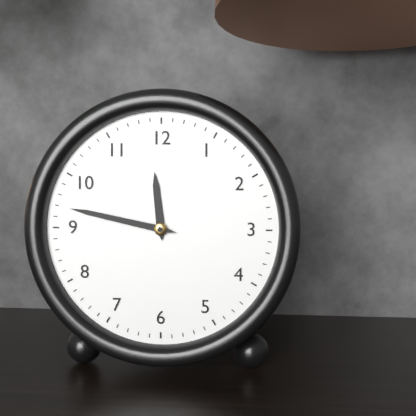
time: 11:47
